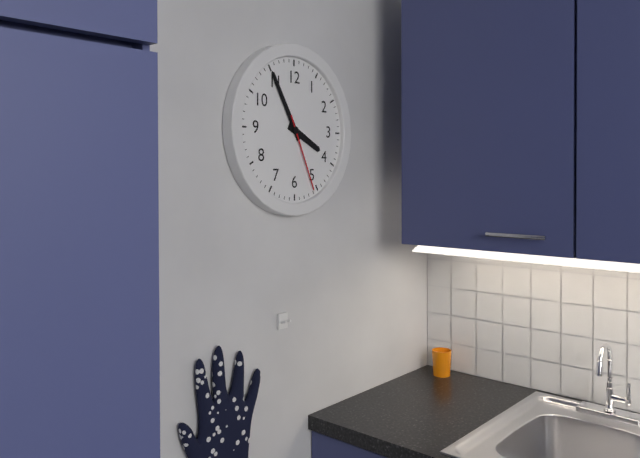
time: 3:55:26
